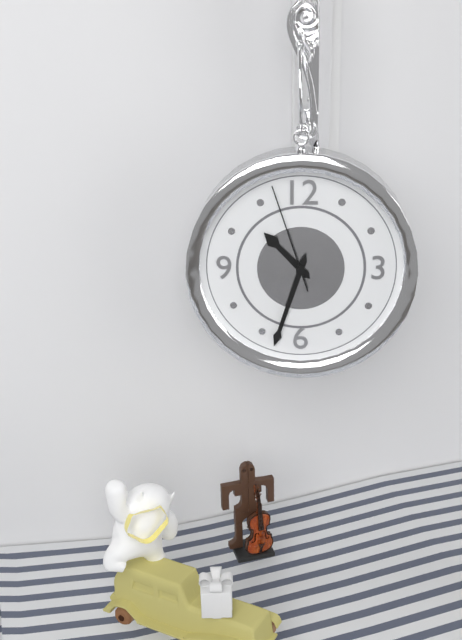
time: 10:33:57
